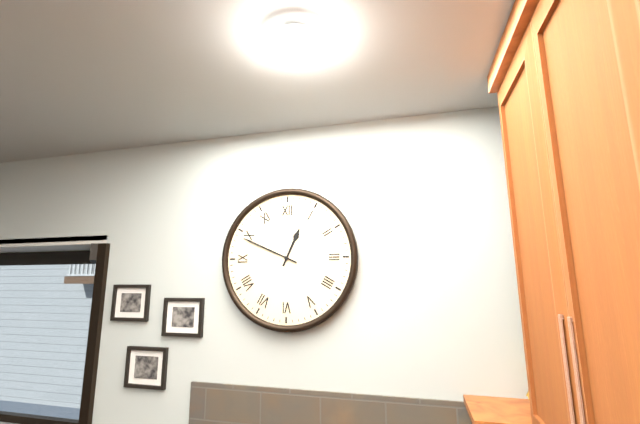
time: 12:49
